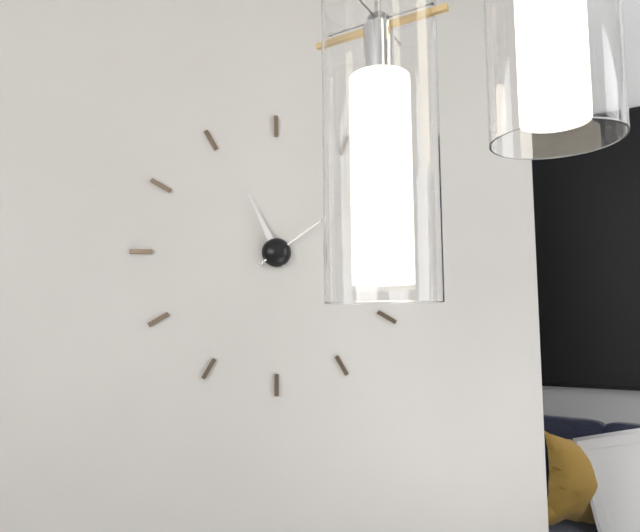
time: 11:09
